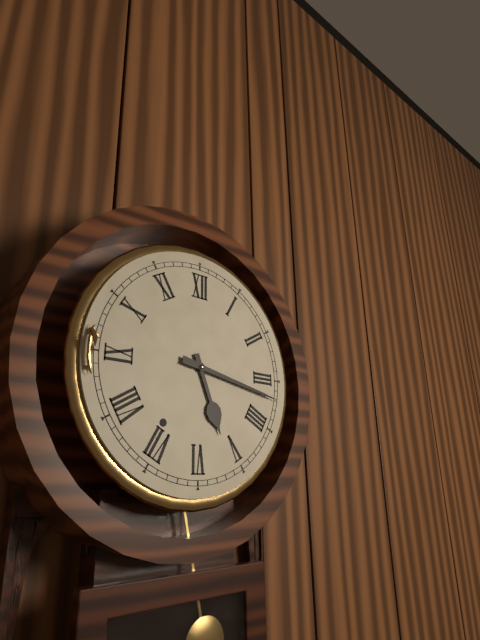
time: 5:17
